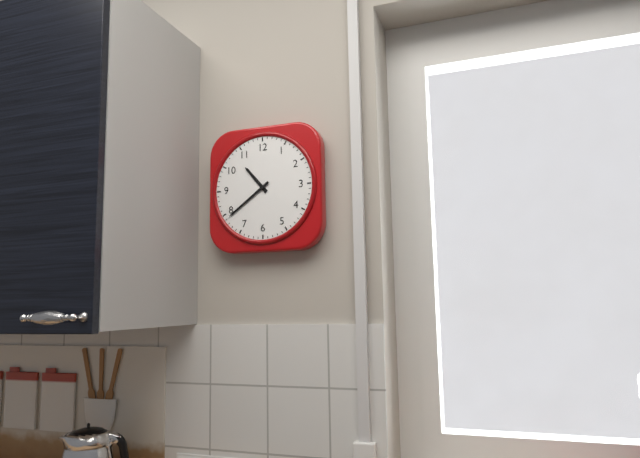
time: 10:39
